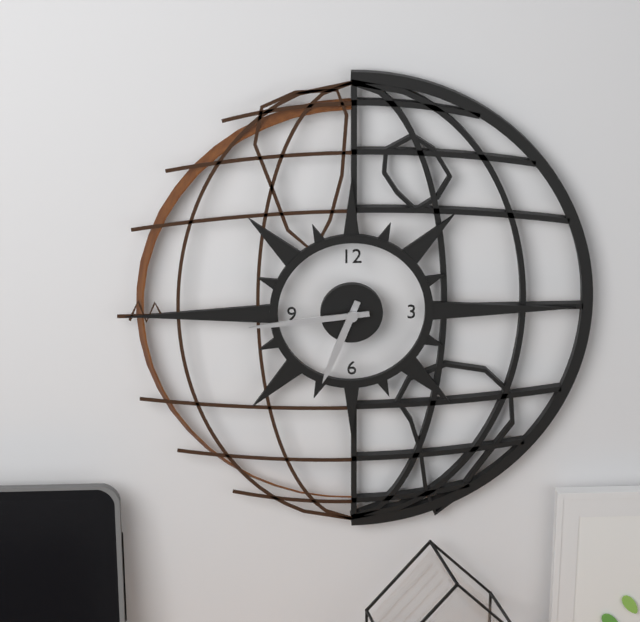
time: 6:44
